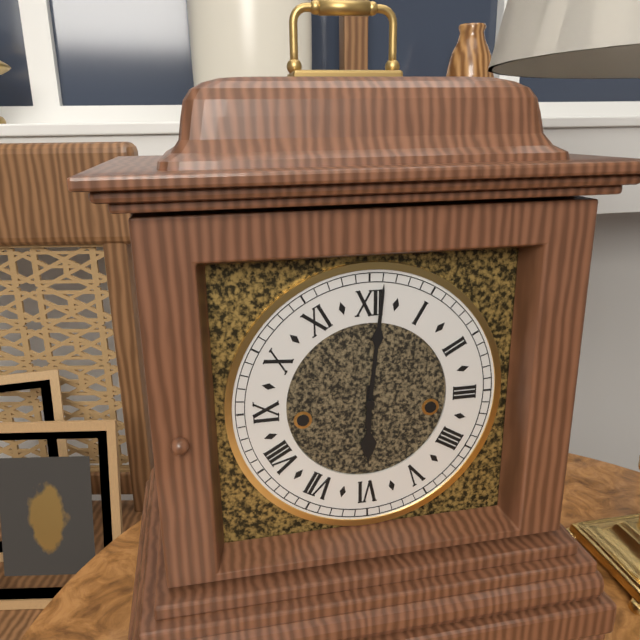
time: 6:01
